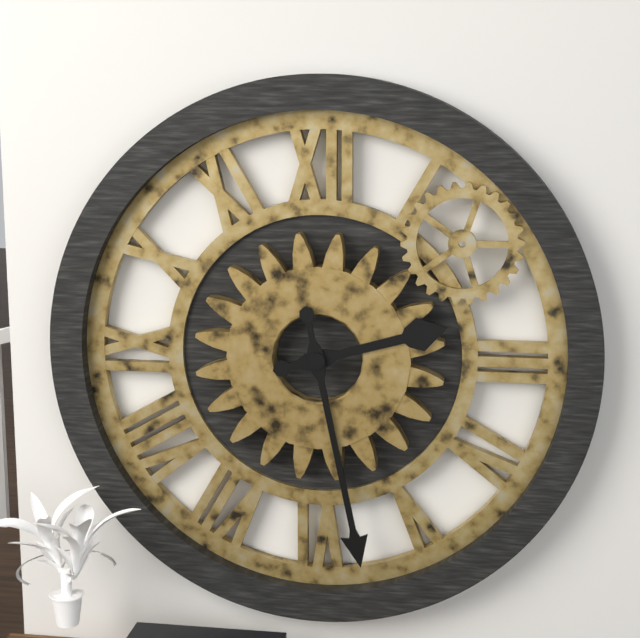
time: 2:28
